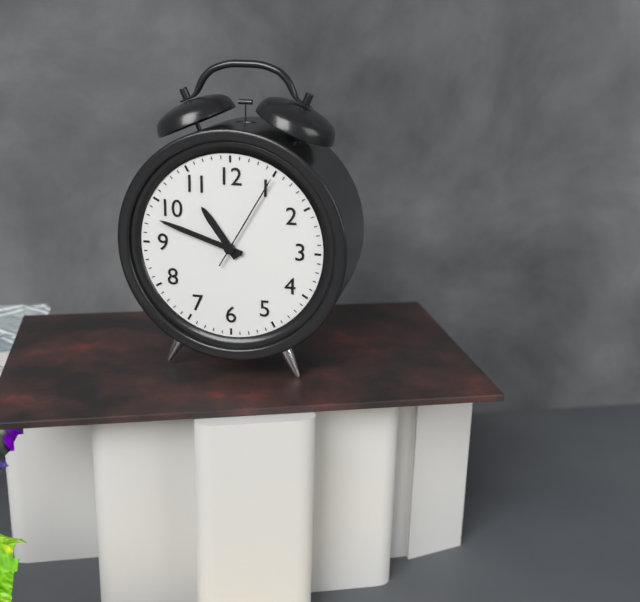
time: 10:48:05
